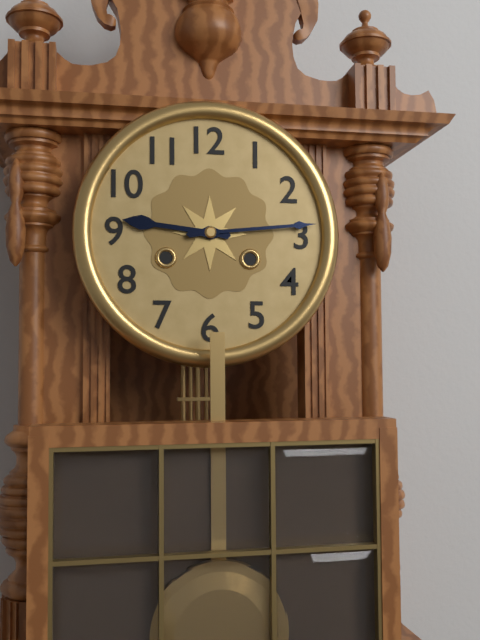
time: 9:14
